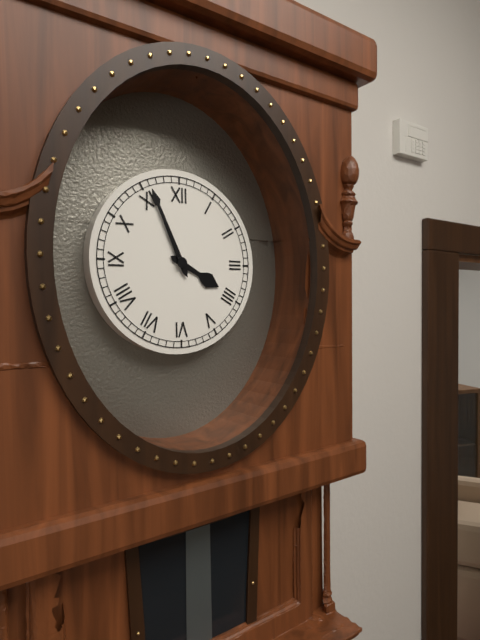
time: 3:56
